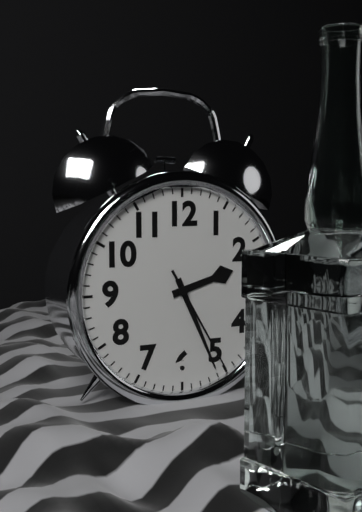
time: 2:26:25
